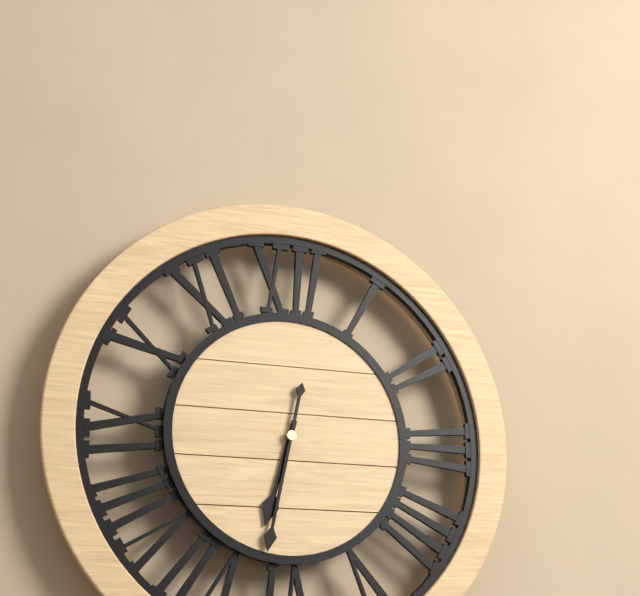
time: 6:32
